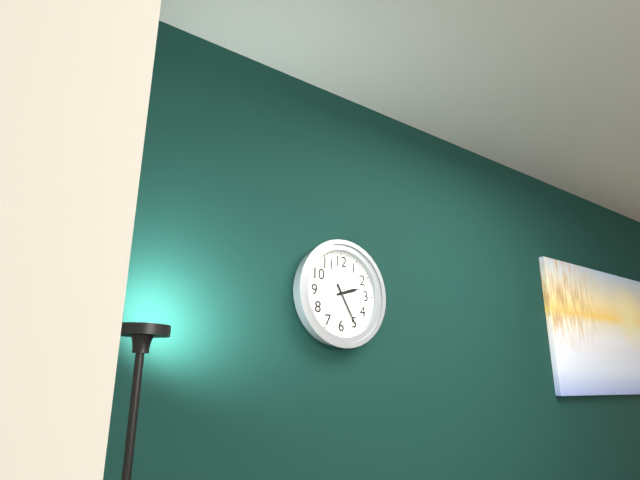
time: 2:25
